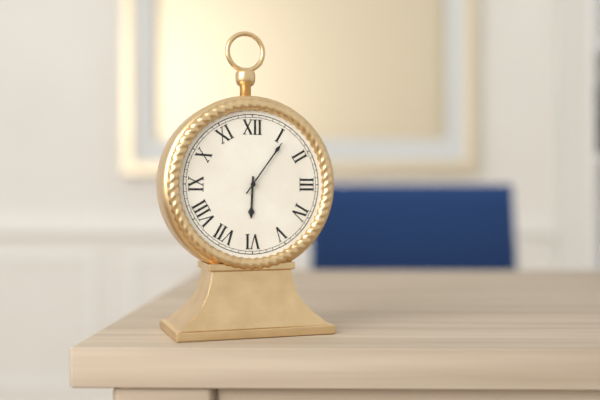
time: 6:06
